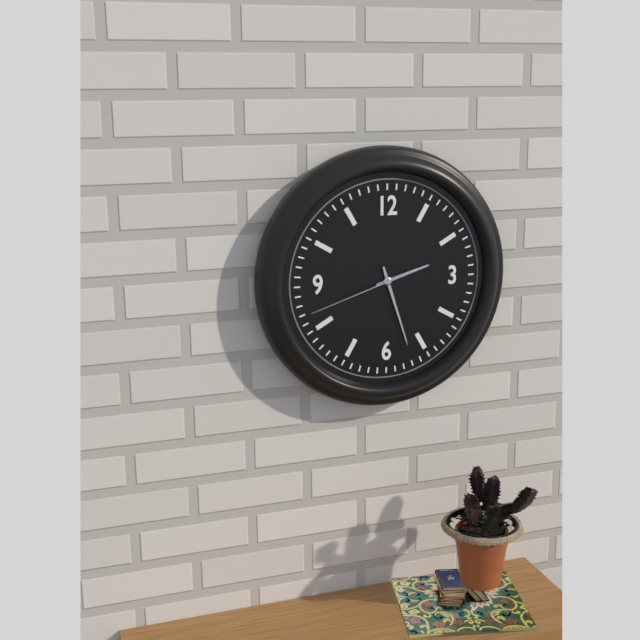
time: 2:27:42
